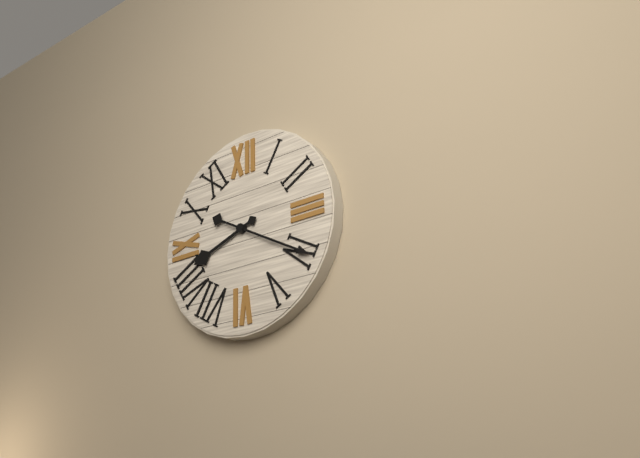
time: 8:20
